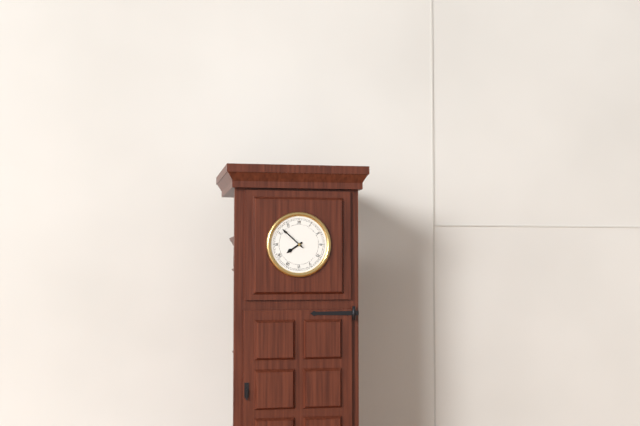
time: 7:52
